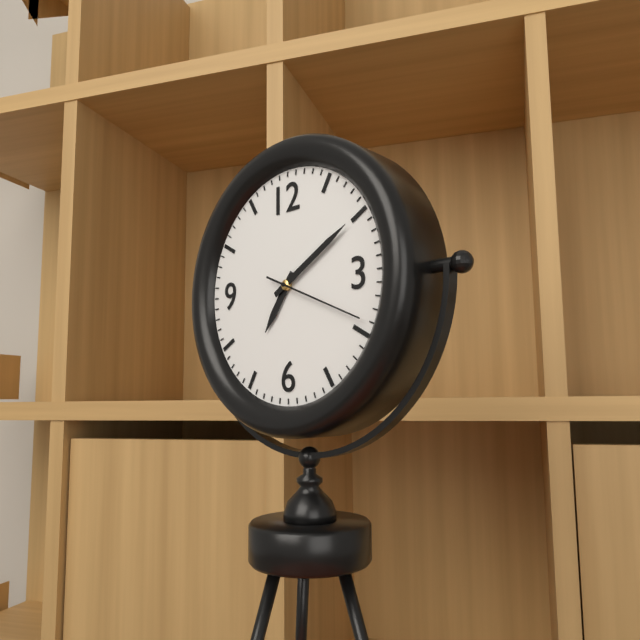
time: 7:10:19
